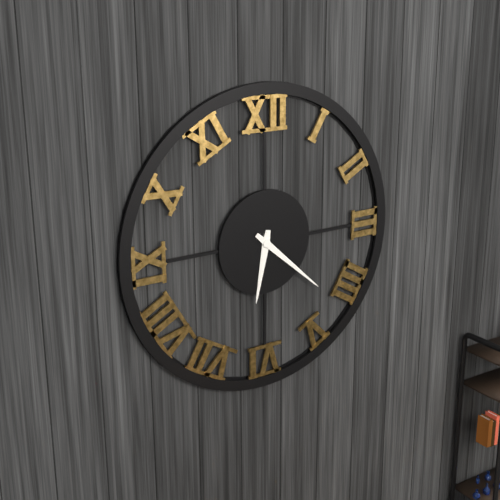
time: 6:22
